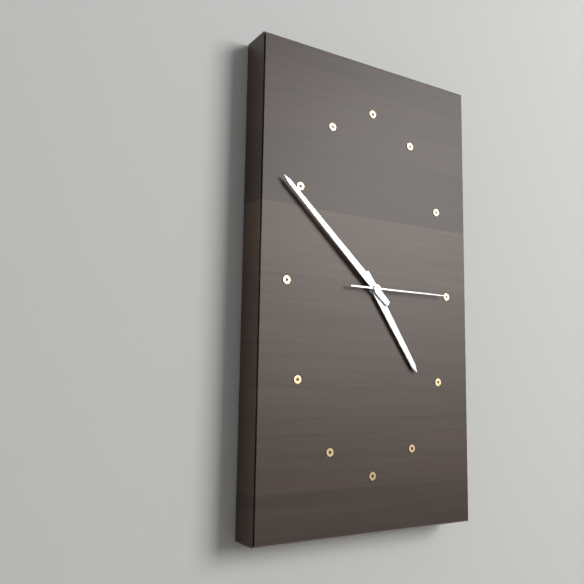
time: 4:52:15
